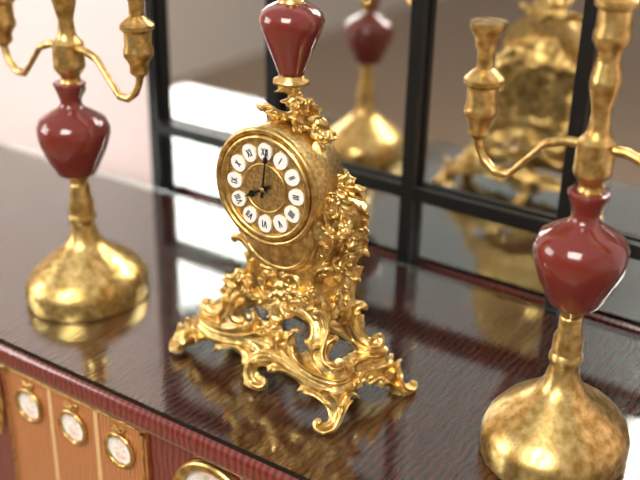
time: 8:01
